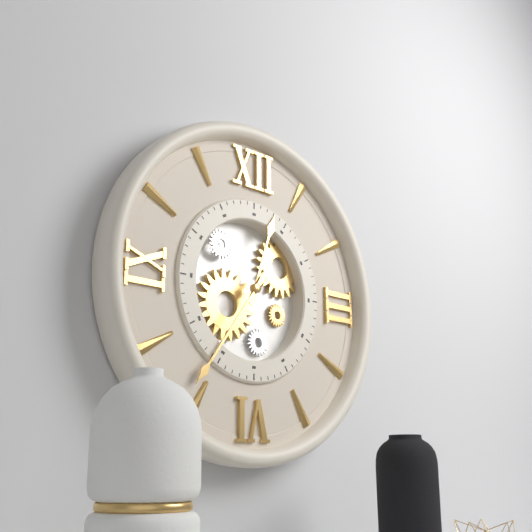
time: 12:36
